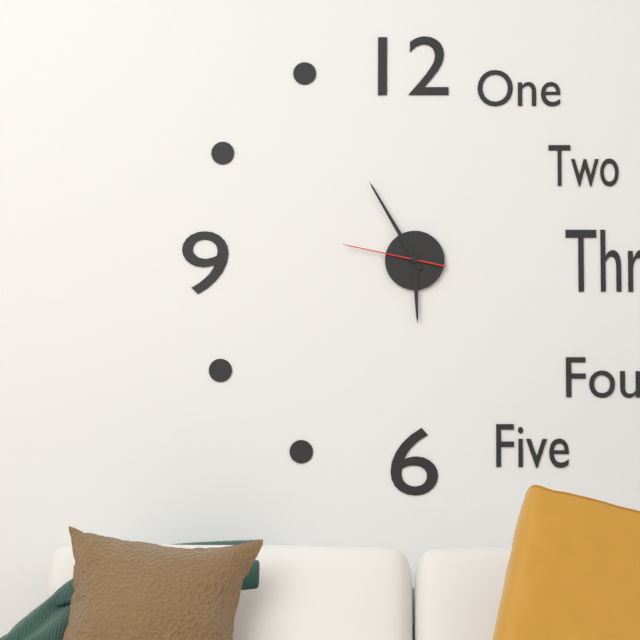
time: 5:55:47
